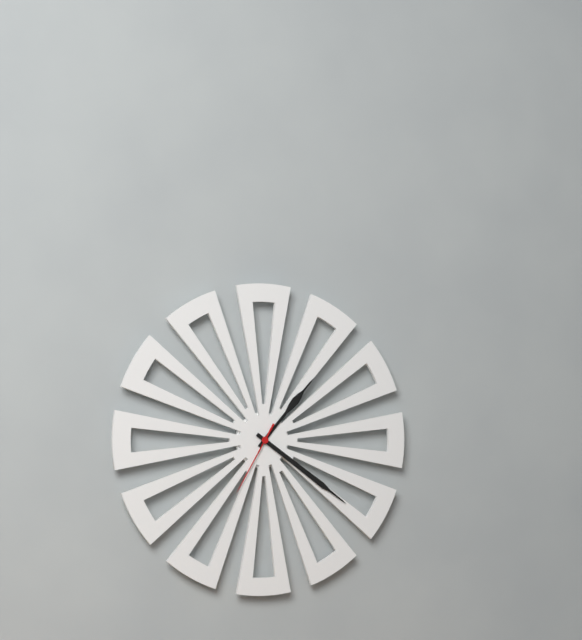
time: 1:21:35
